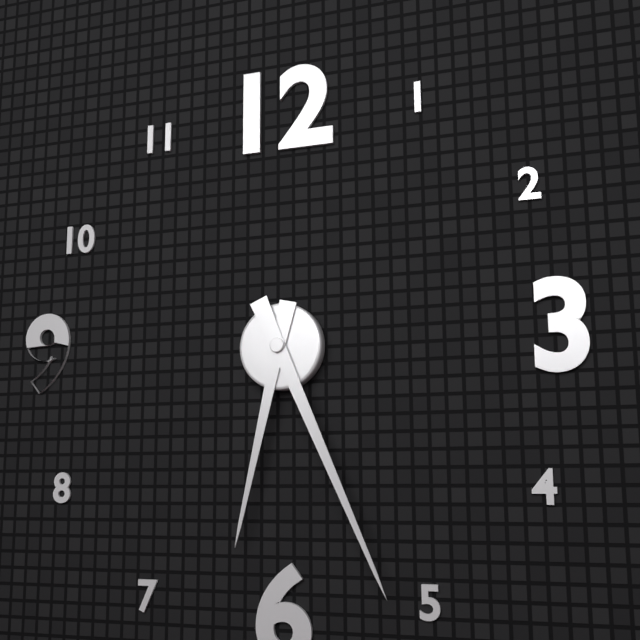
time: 6:26
